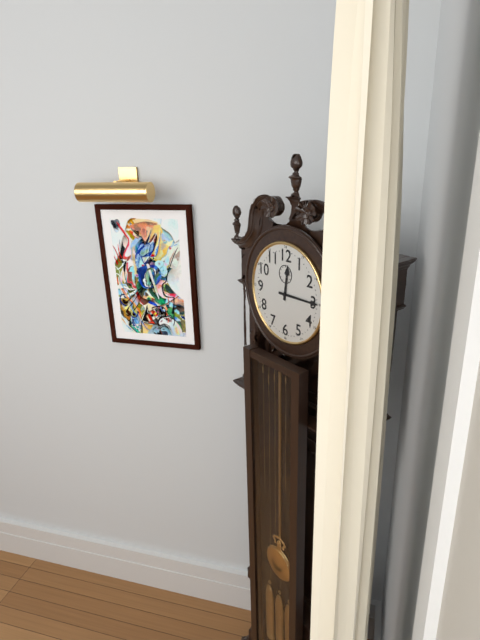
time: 12:15
